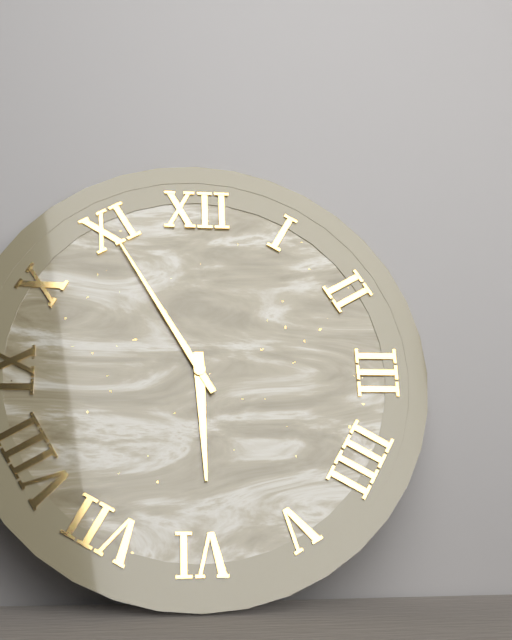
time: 5:55
